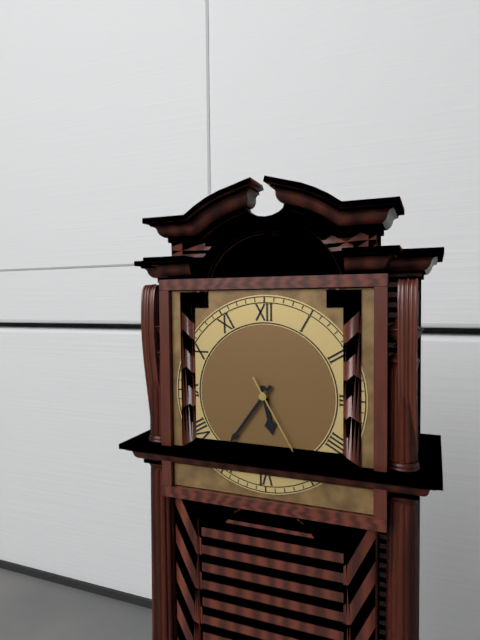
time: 5:36:25
